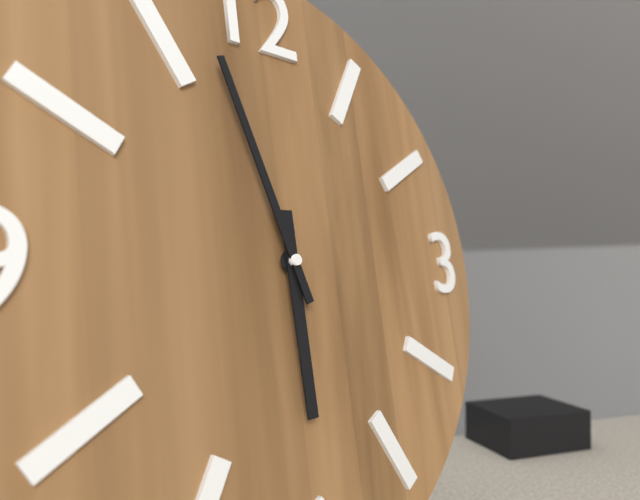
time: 5:57
